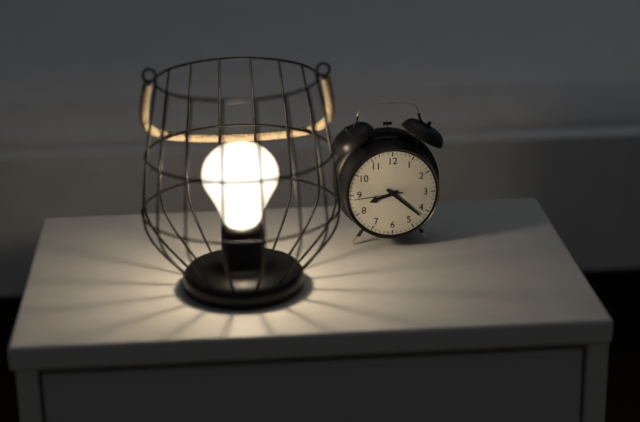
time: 8:22
